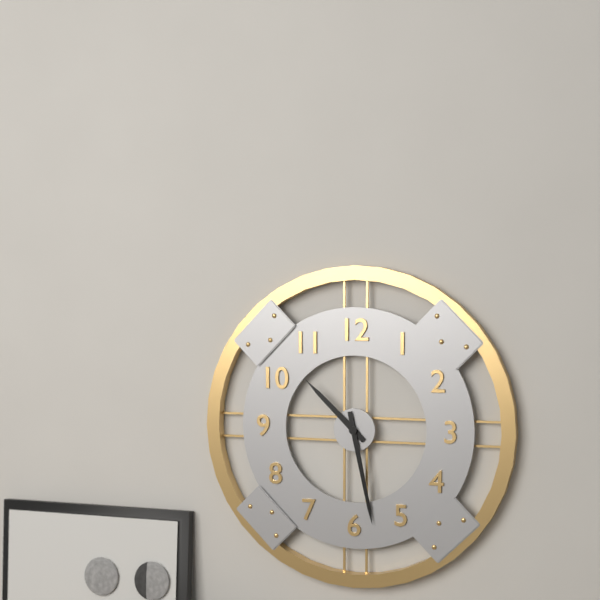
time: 10:28
